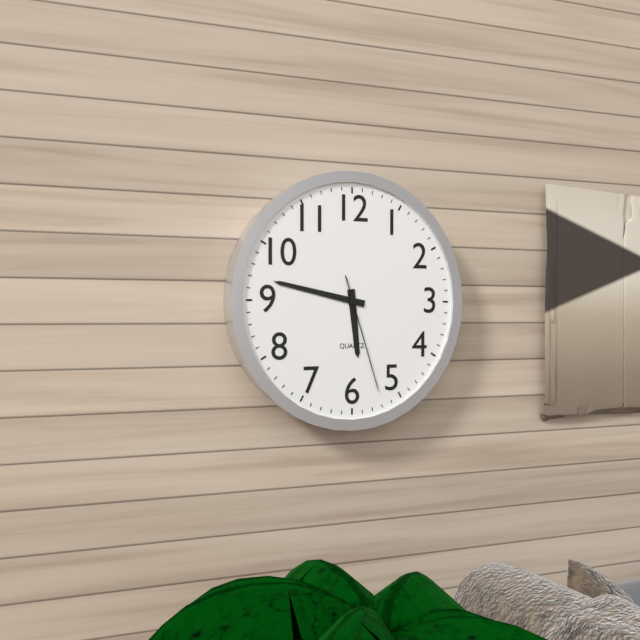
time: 5:47:27
